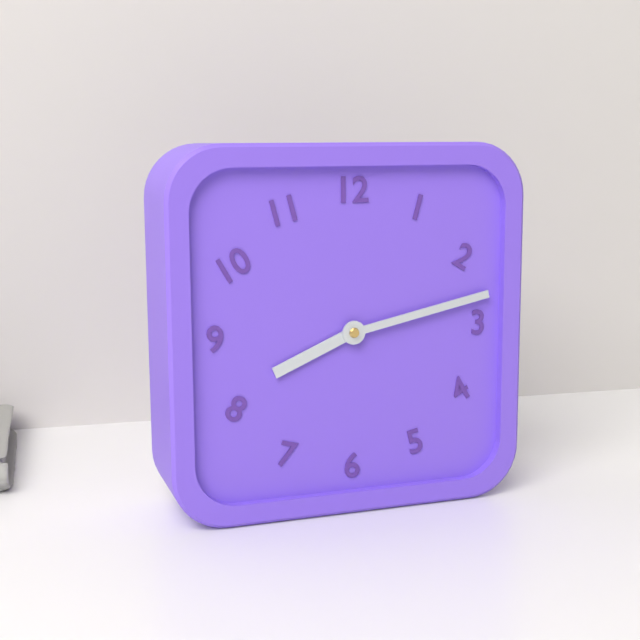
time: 8:13
